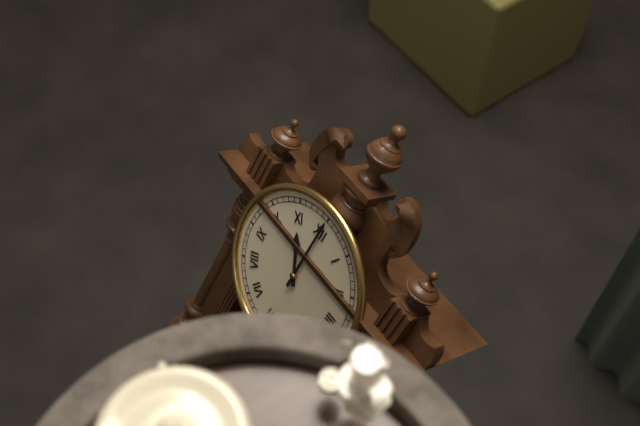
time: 11:00
